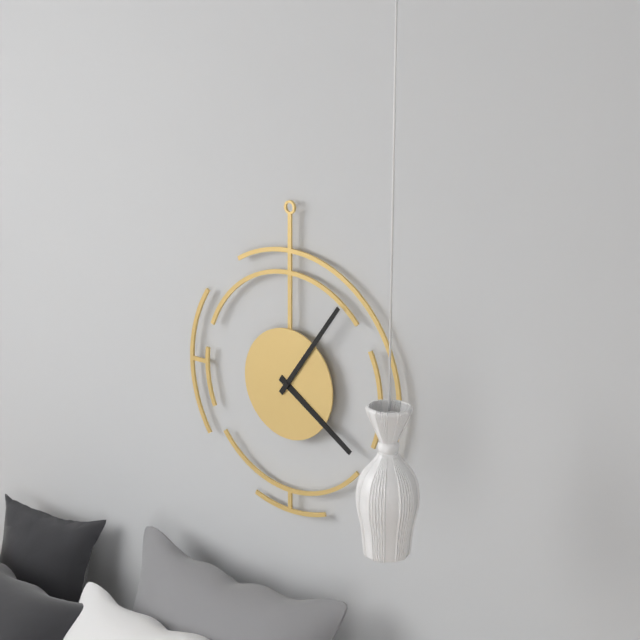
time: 4:06
